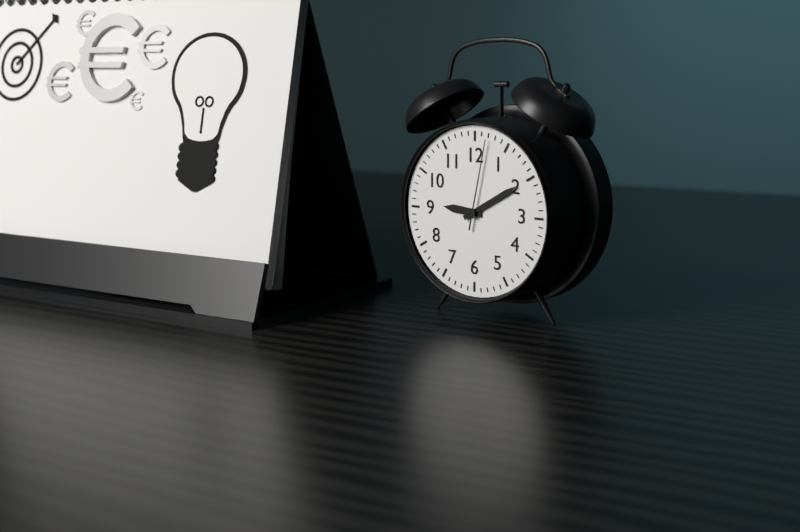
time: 9:10:02
